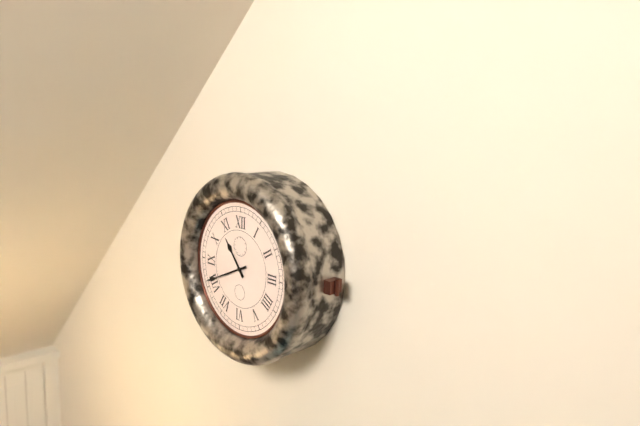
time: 10:41
